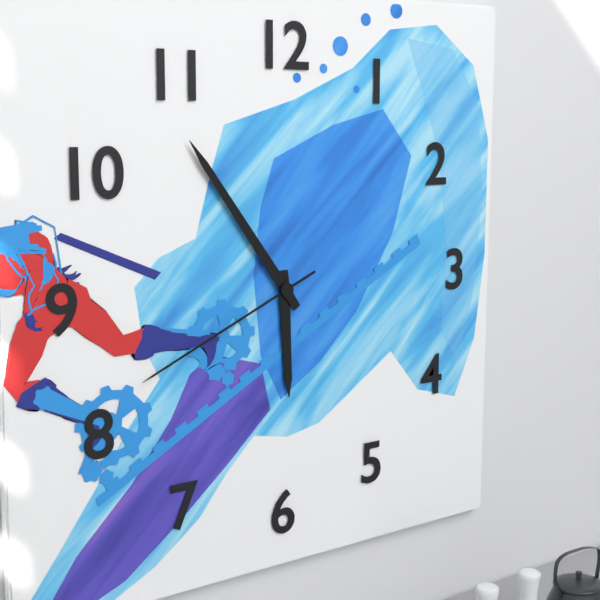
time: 5:54:41
